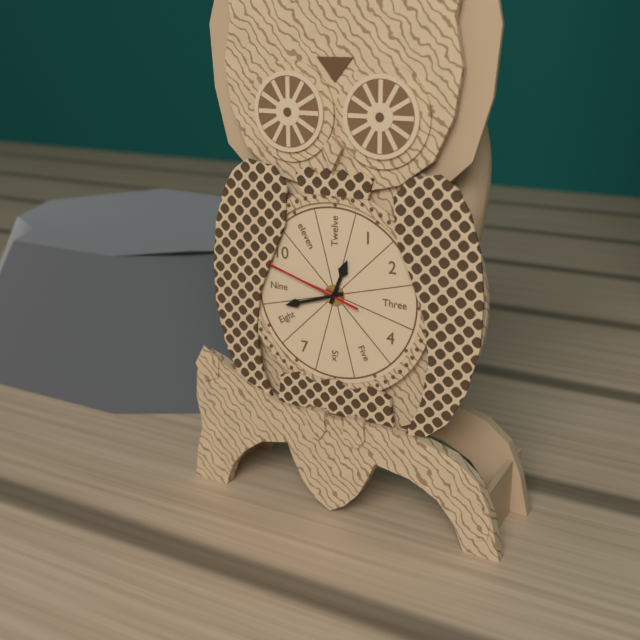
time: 12:42:48
